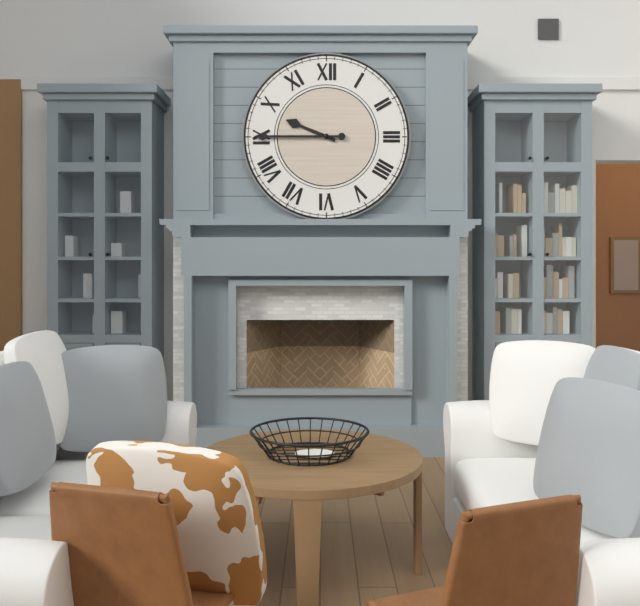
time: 9:45
